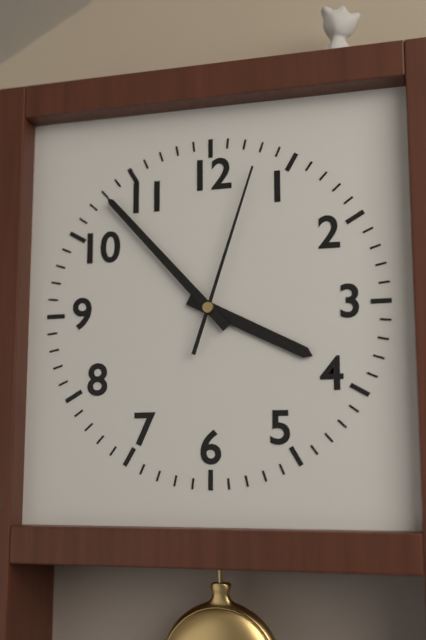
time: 3:53:03
